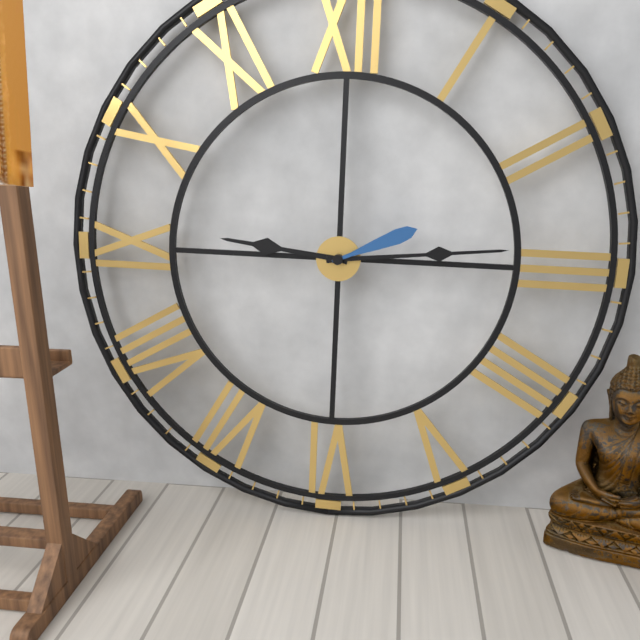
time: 9:14:11
